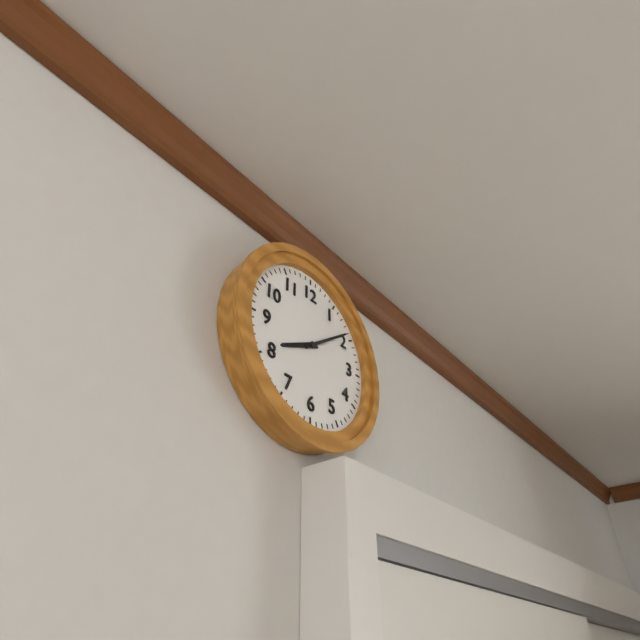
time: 8:09
